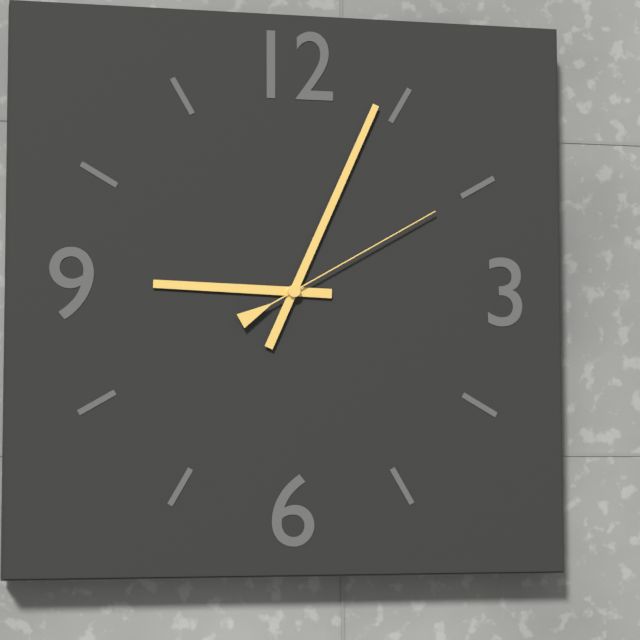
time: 9:04:10
